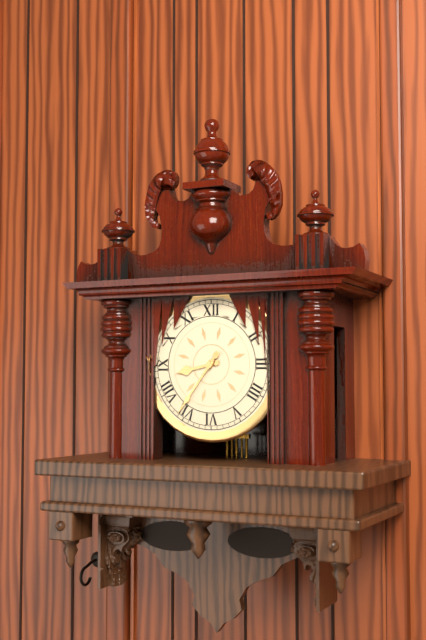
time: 8:36
